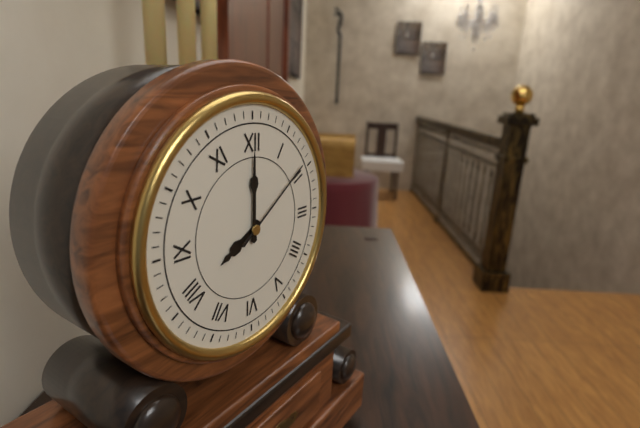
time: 8:00:09
